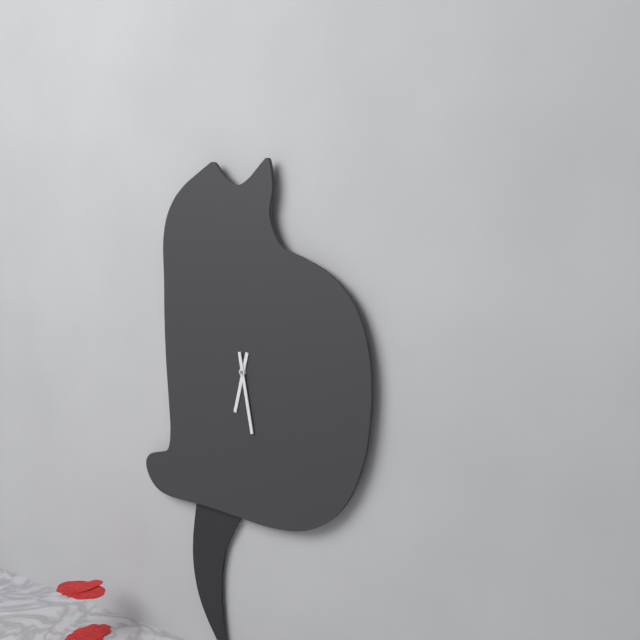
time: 6:28
